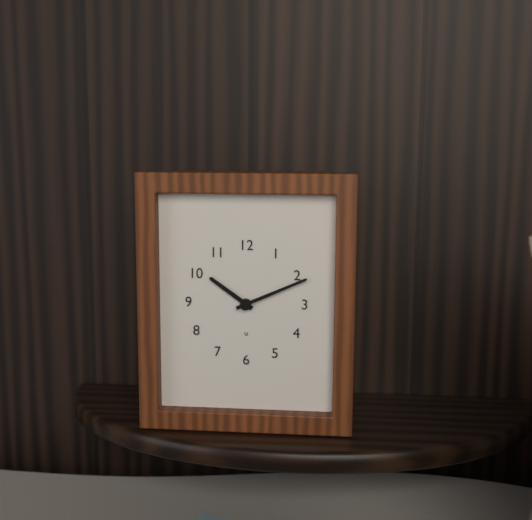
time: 10:11
